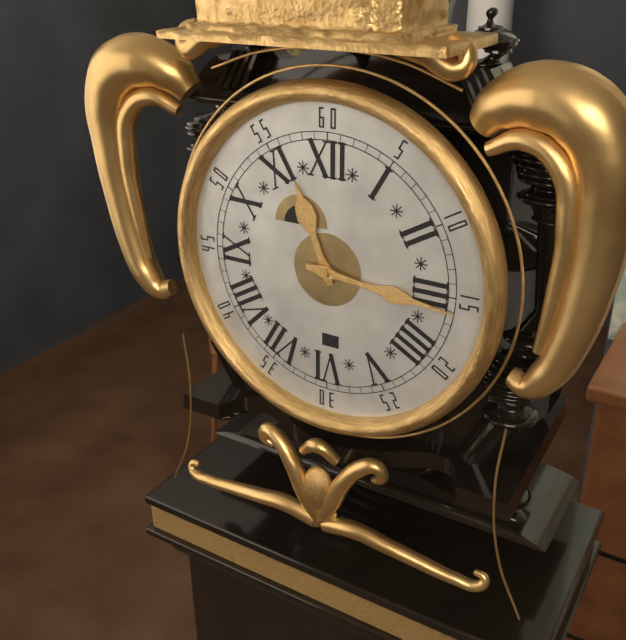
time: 11:16
